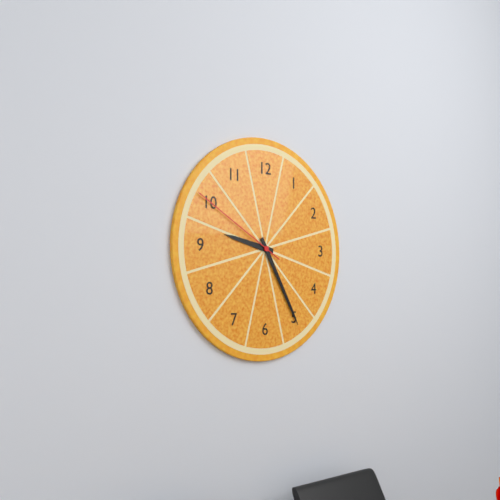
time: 9:25:50
